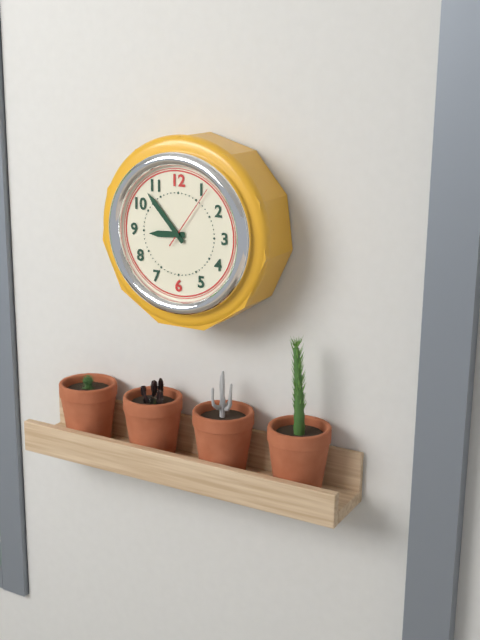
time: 8:53:06
